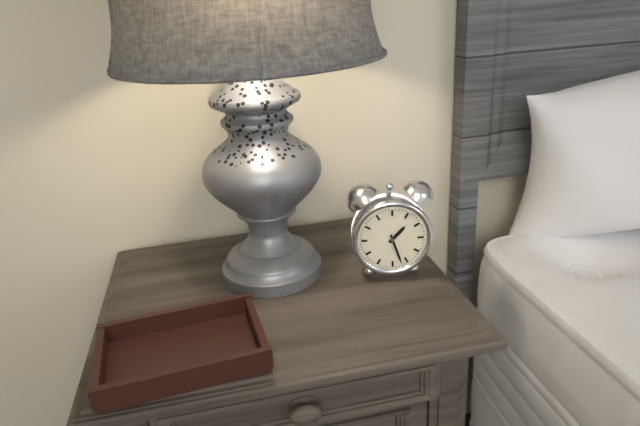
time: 1:27
